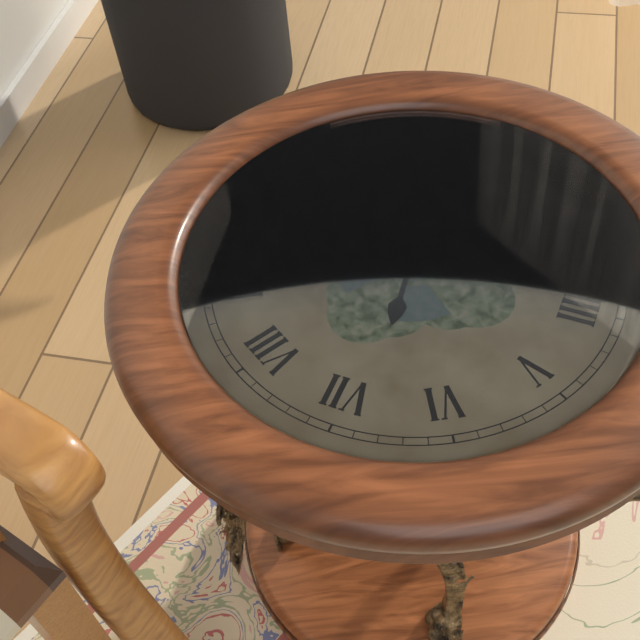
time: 6:46
